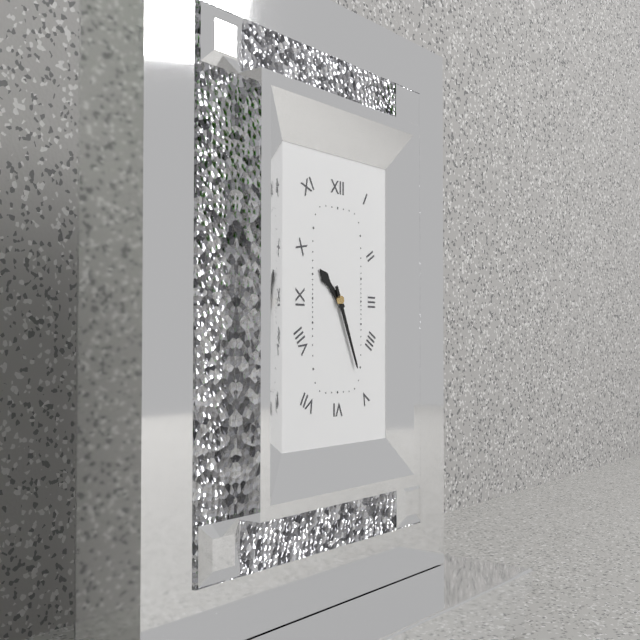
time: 10:26
